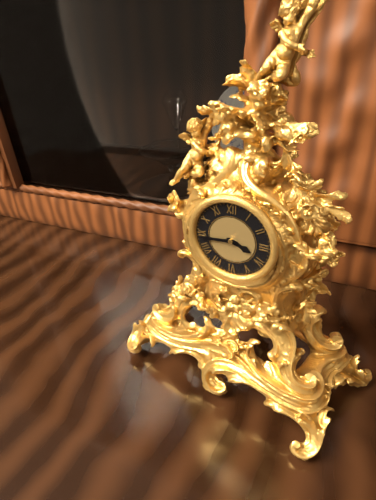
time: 3:44
